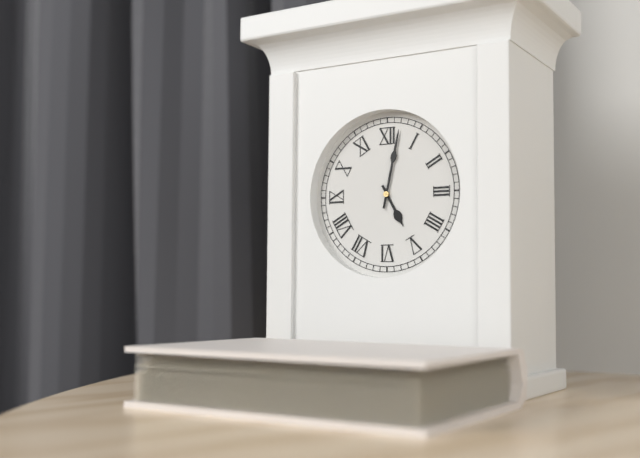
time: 5:02
